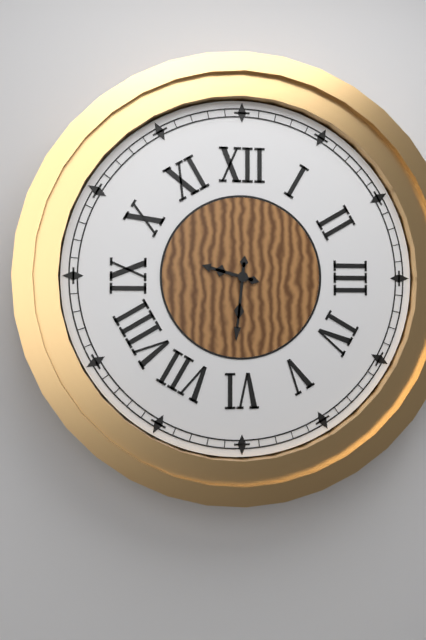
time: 9:31
